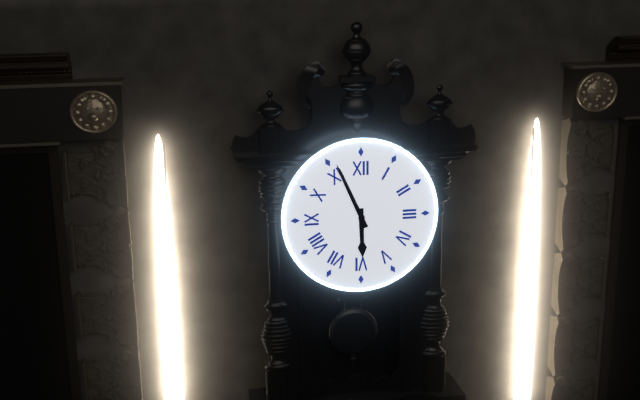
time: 5:56
